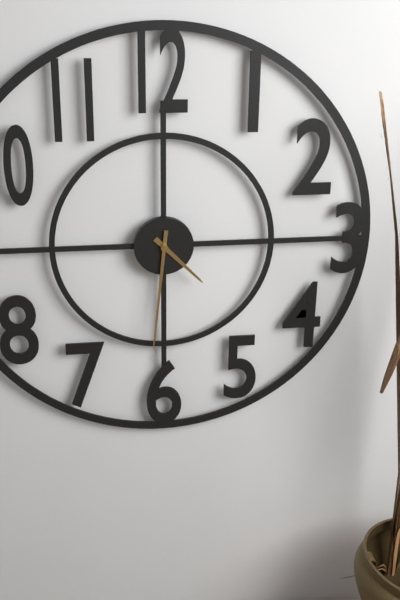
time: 4:31
